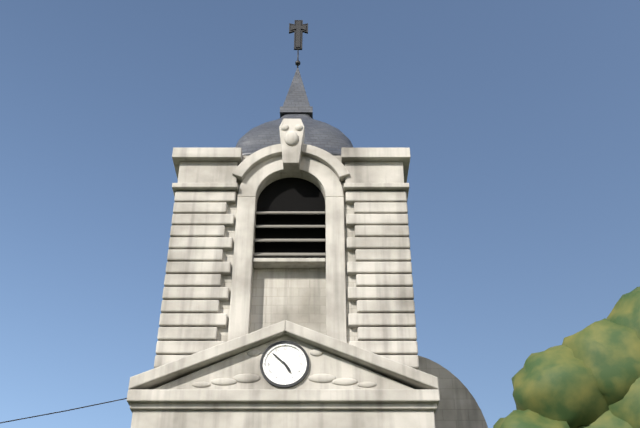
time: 4:52
